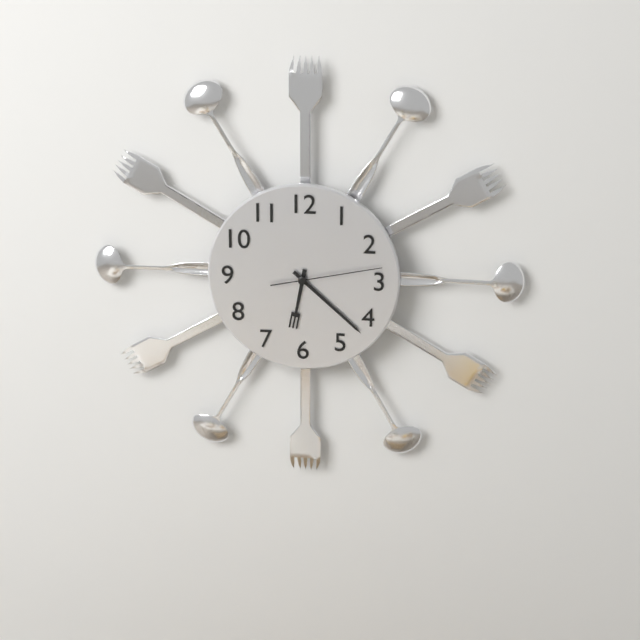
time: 6:22:13
